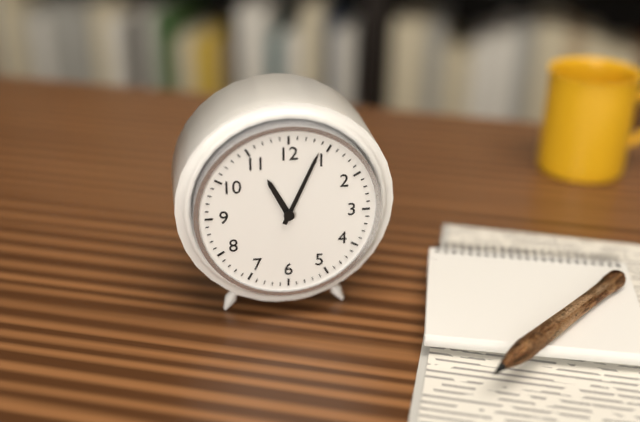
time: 11:04
